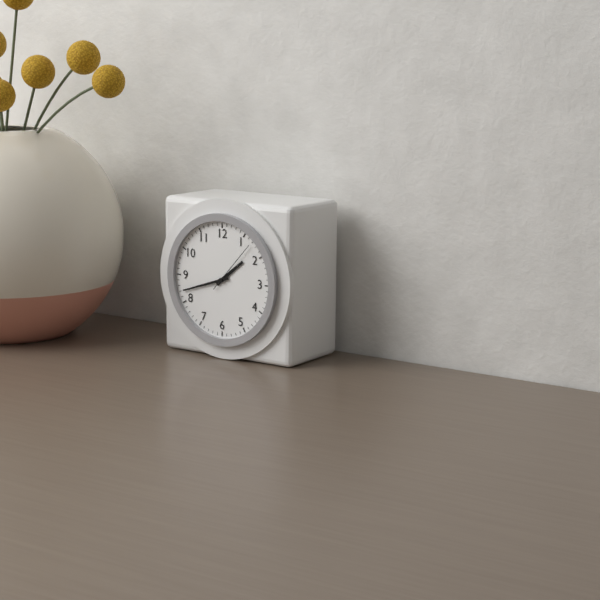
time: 1:42:07
